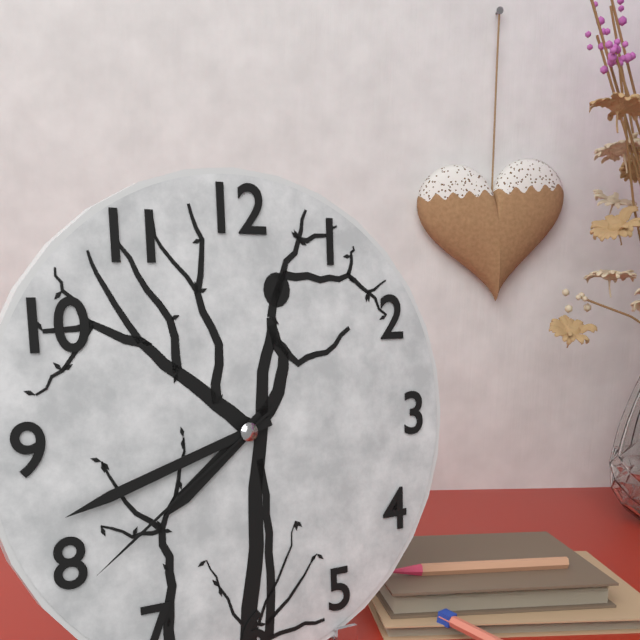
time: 7:42:39
